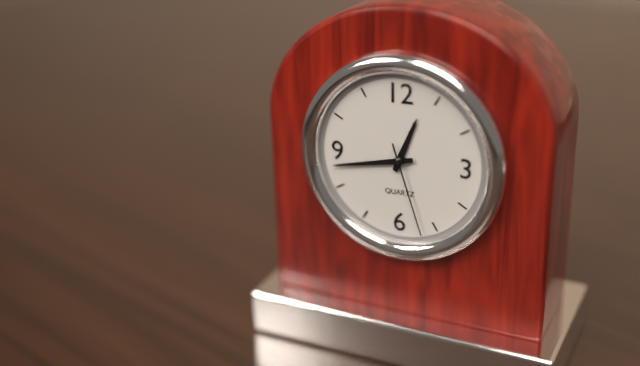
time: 12:43:27
